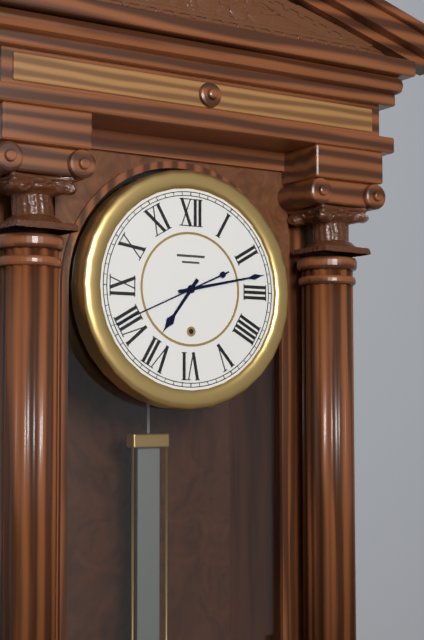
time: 7:13:41
